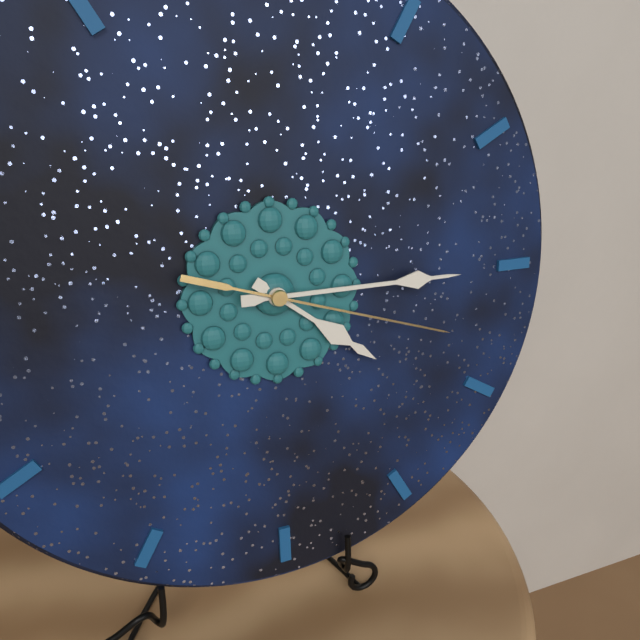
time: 4:15:18
